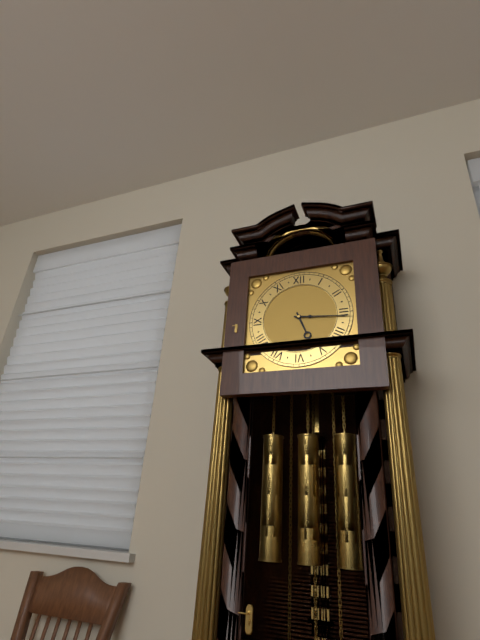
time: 5:16
